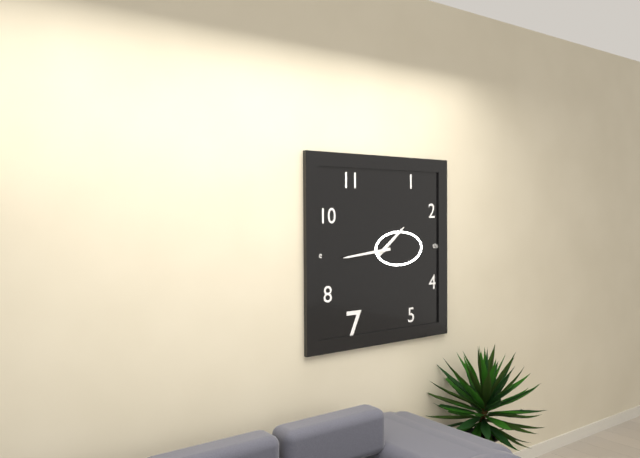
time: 1:44
